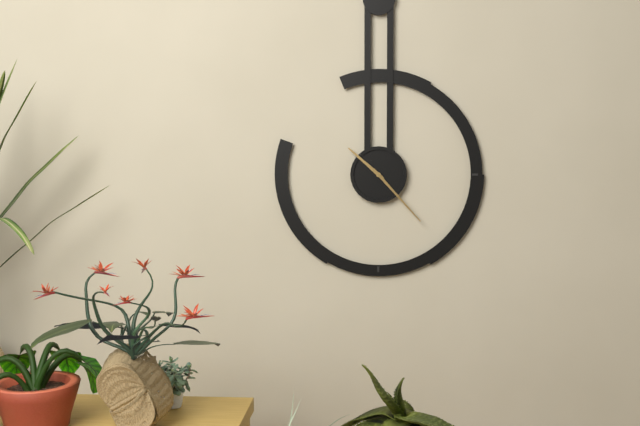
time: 10:23:23
